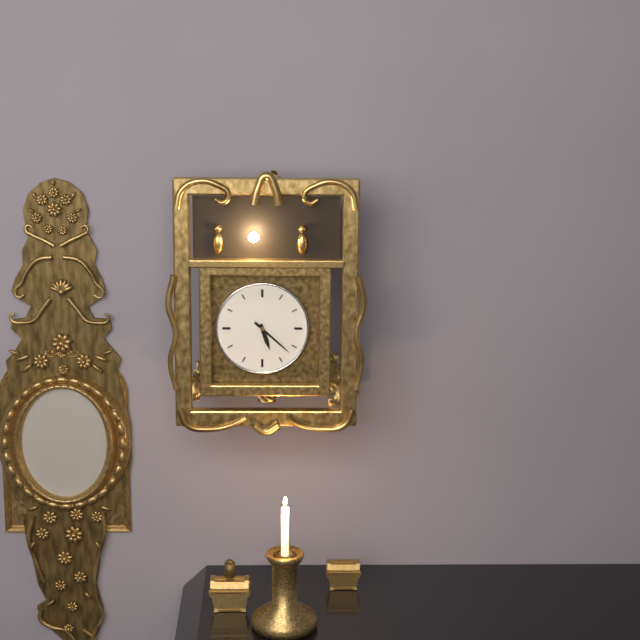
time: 5:22
